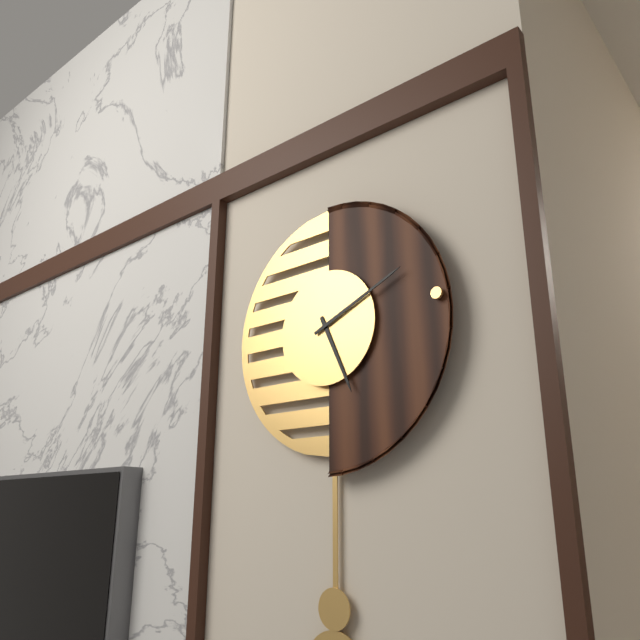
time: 5:11
